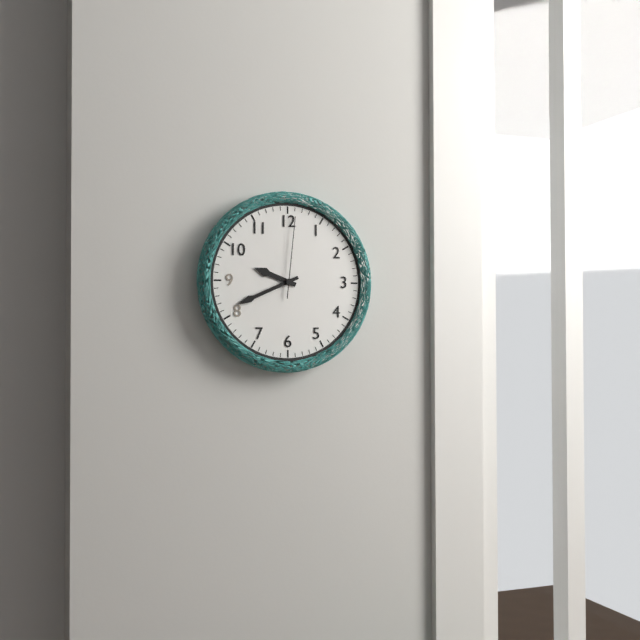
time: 9:41:01
